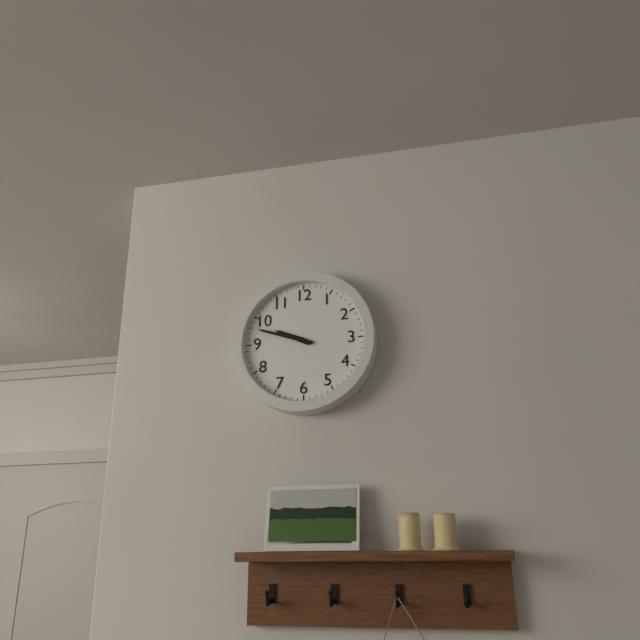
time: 9:48
